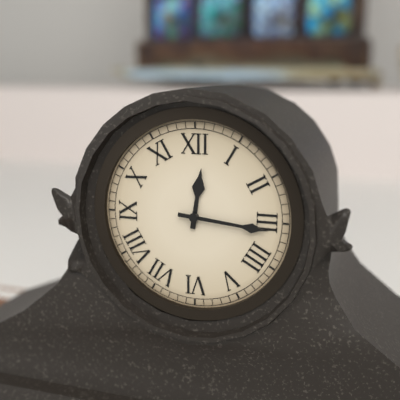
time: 12:16
